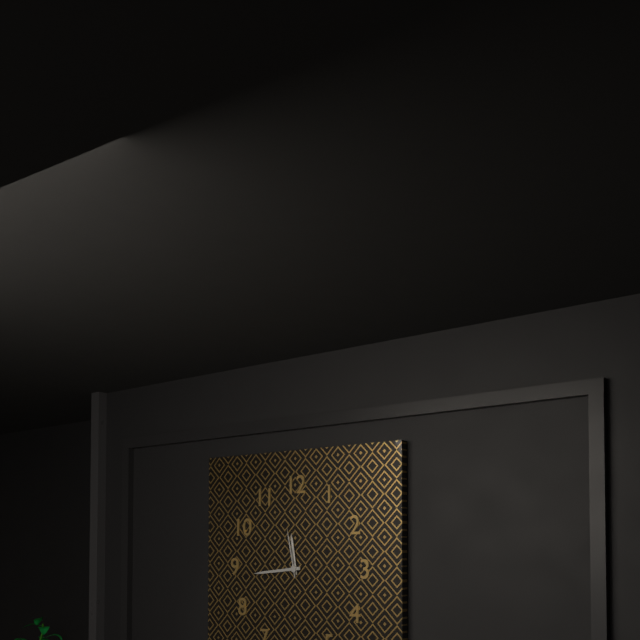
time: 11:44:58
